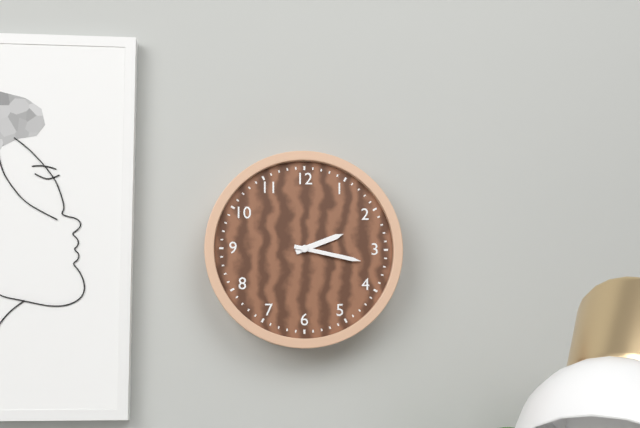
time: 2:17
